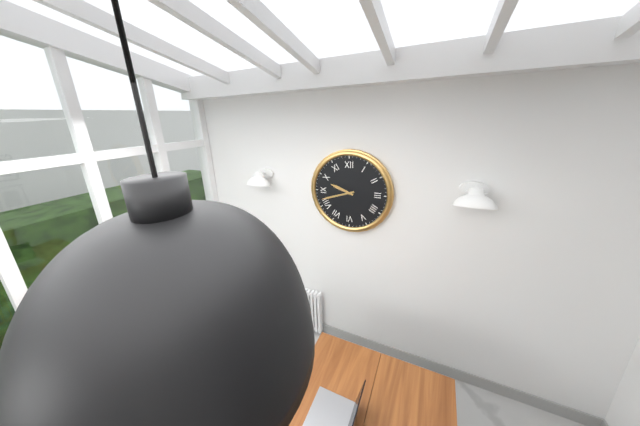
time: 9:42
